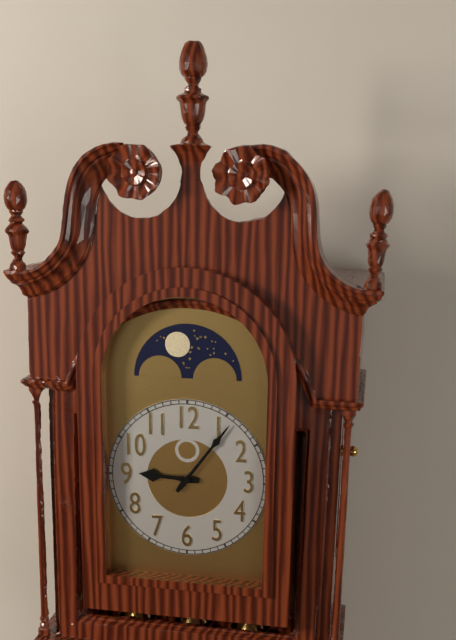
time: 9:06
